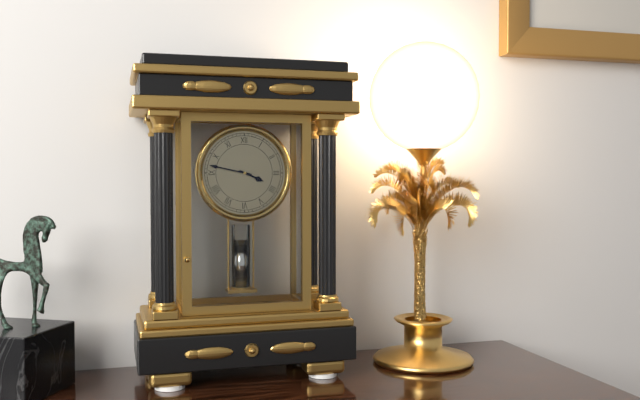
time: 3:47
